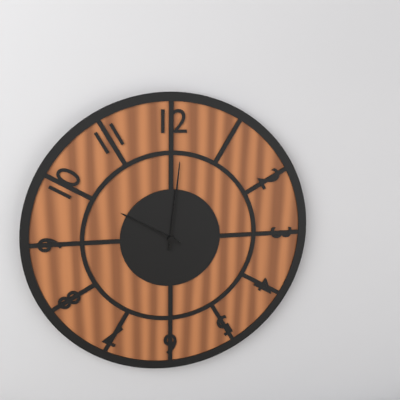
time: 10:01
